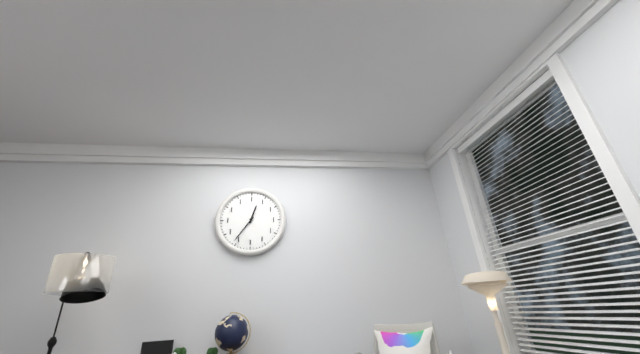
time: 12:36
